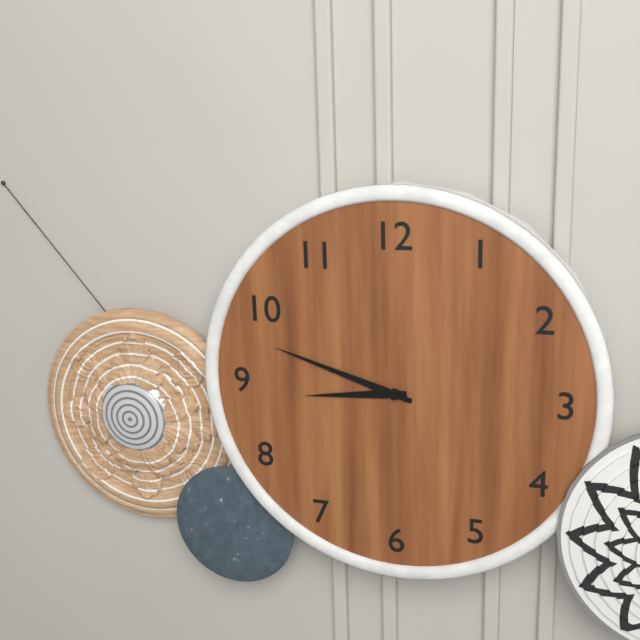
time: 8:48
